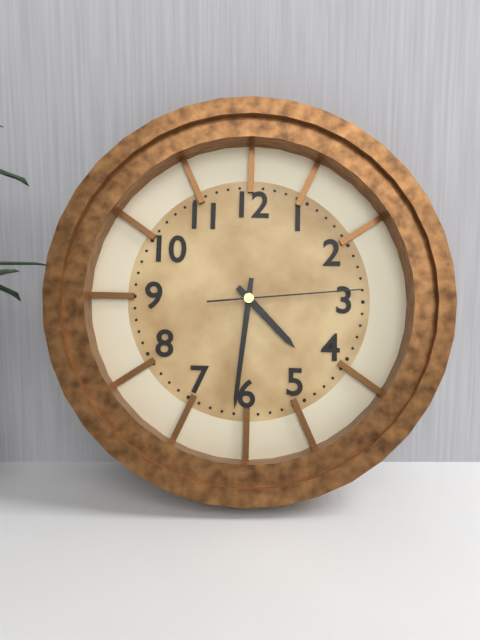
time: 4:31:14
